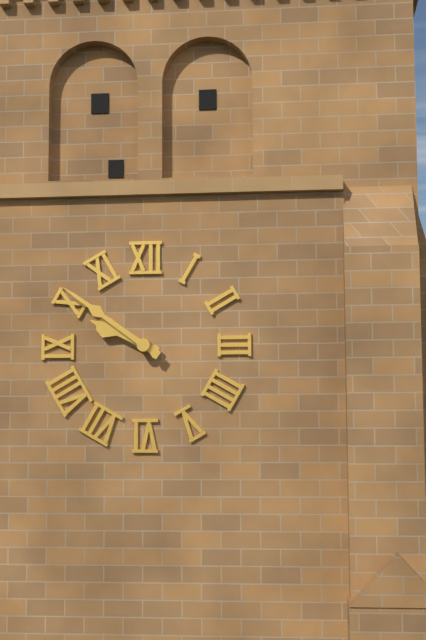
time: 9:51
